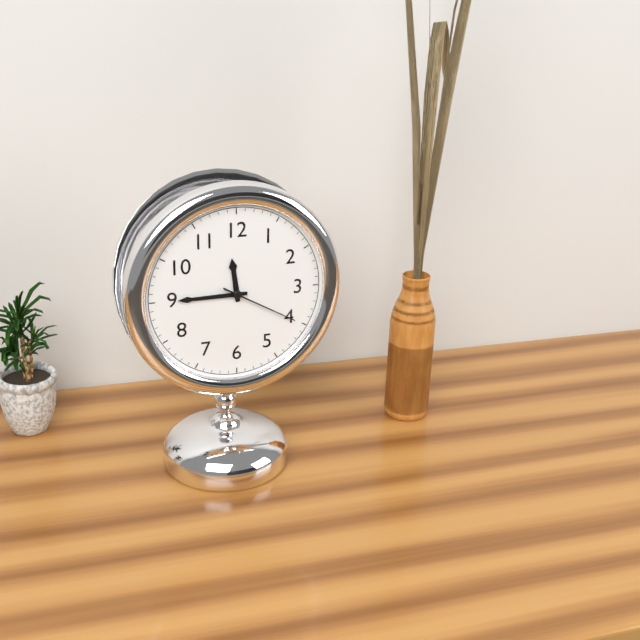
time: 11:45:20
